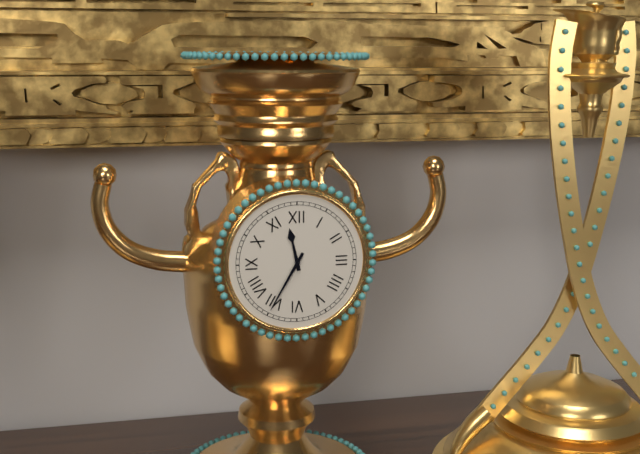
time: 11:35
